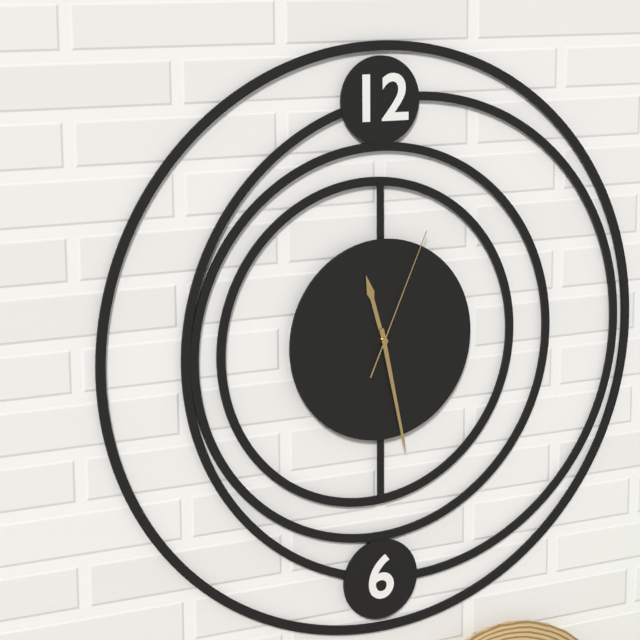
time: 11:28:04
